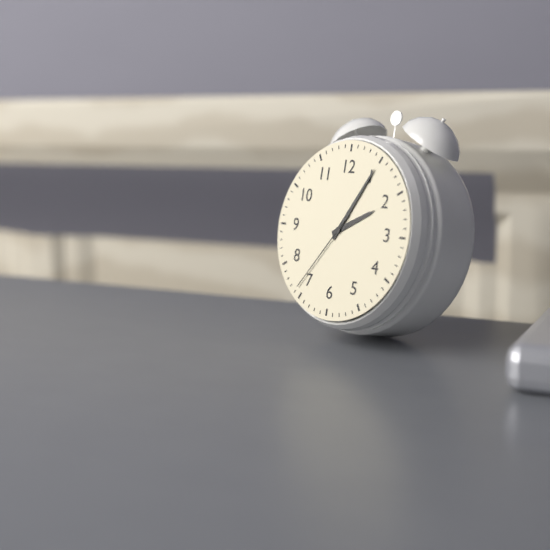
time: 2:05:36
